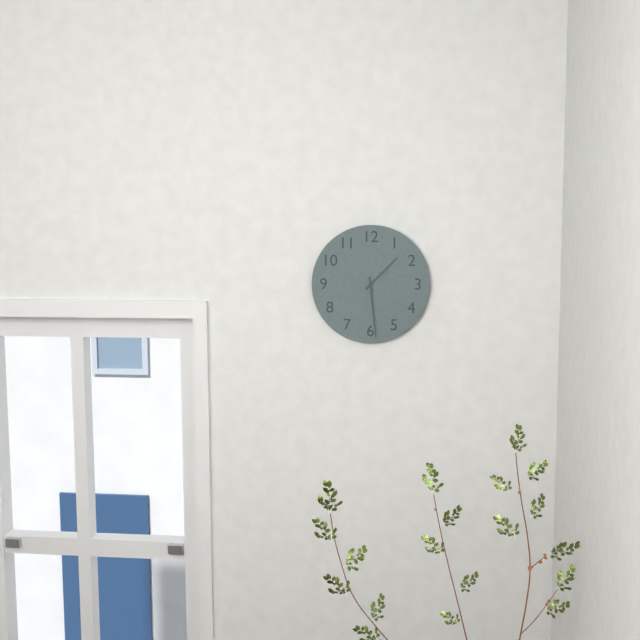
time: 1:29
